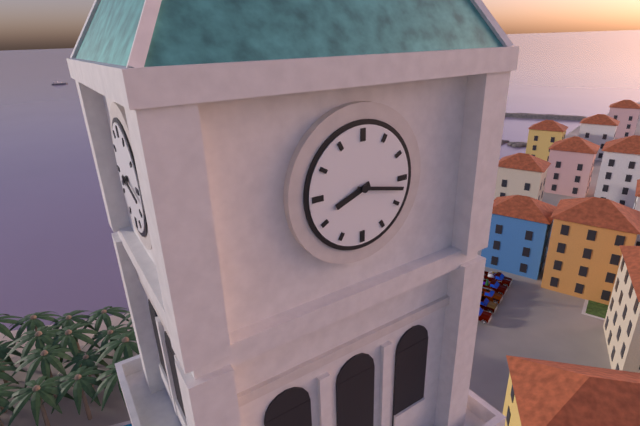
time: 8:17
